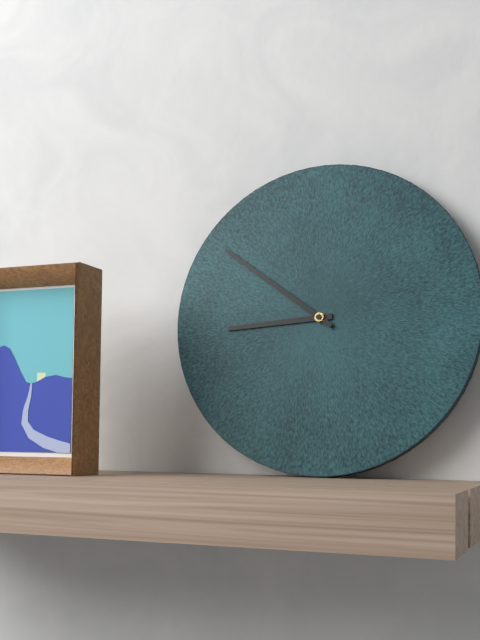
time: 8:51
